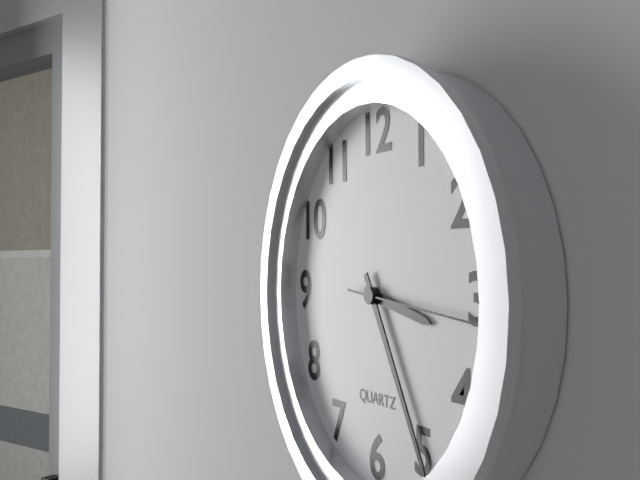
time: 3:25:16
